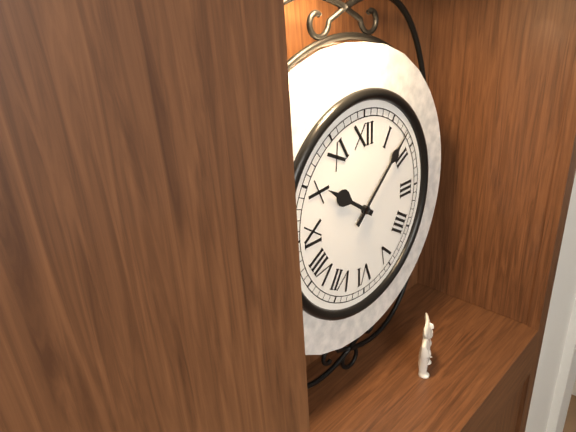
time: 10:08
